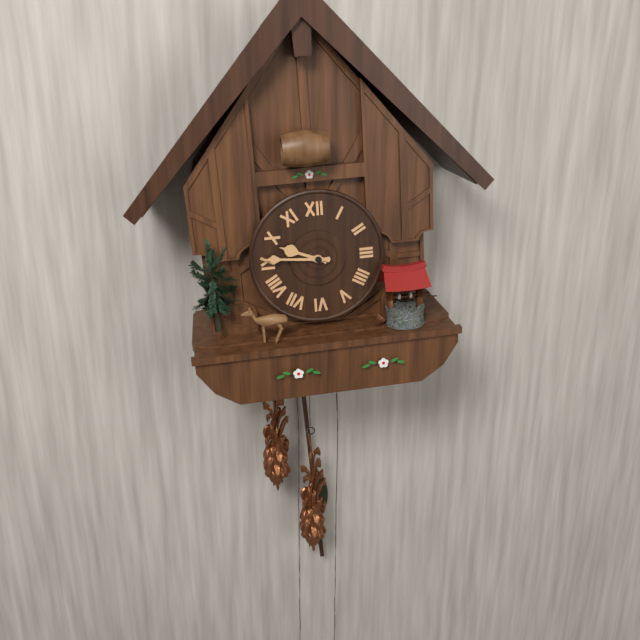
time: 9:46
